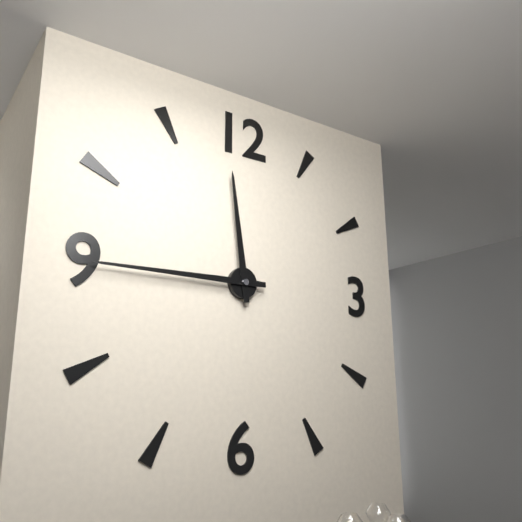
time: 11:45
